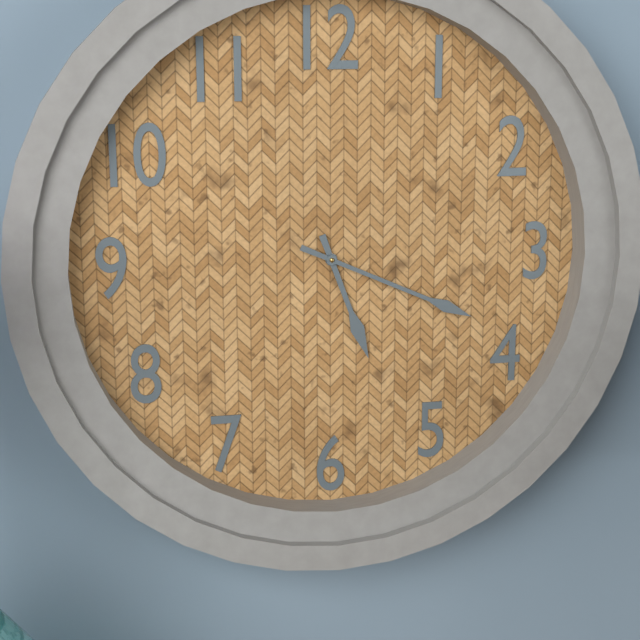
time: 5:19
